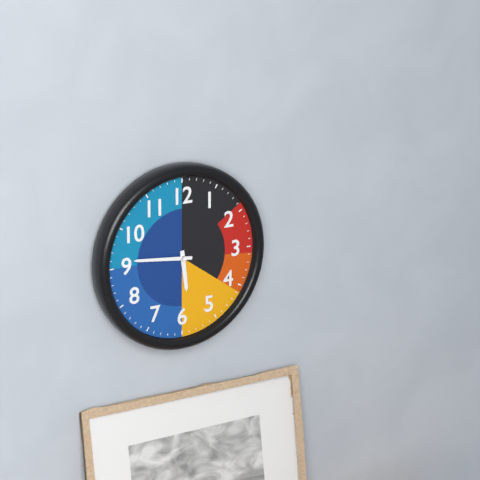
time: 5:46
